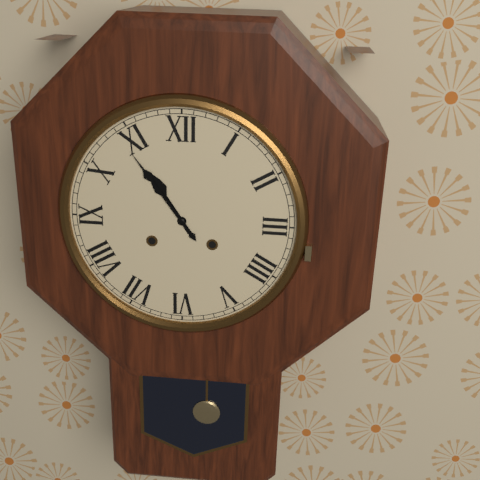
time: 10:54
